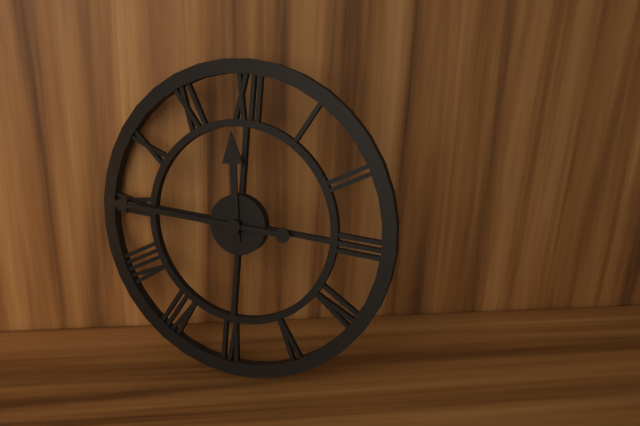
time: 11:45
